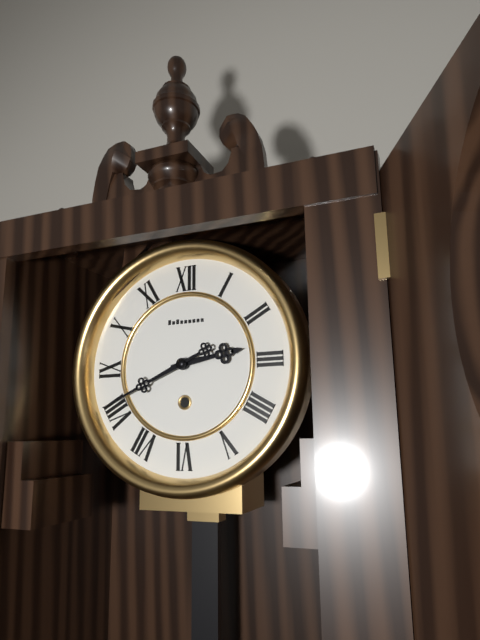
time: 2:41
